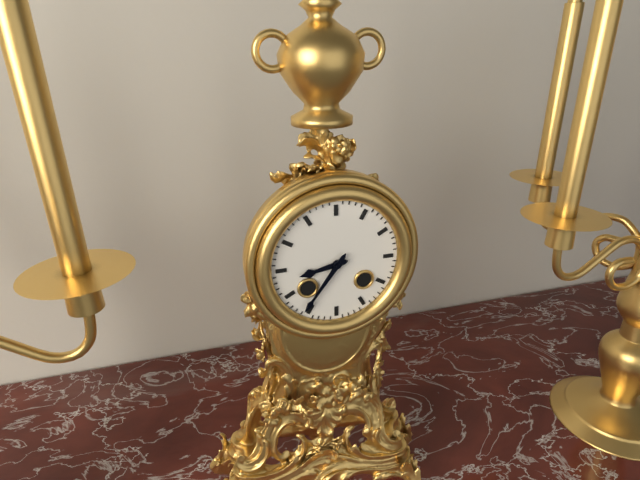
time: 8:36
